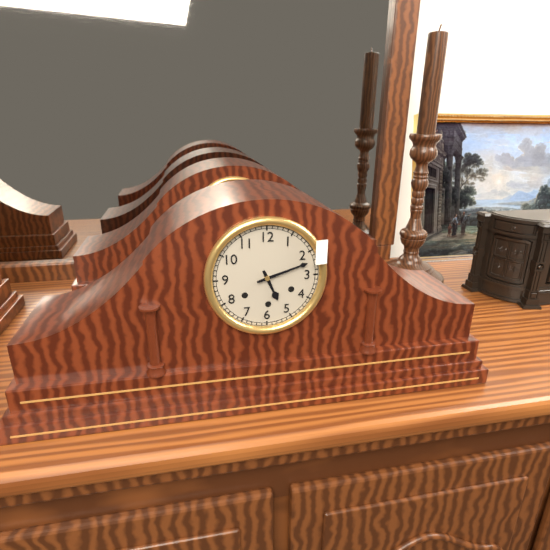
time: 5:12
